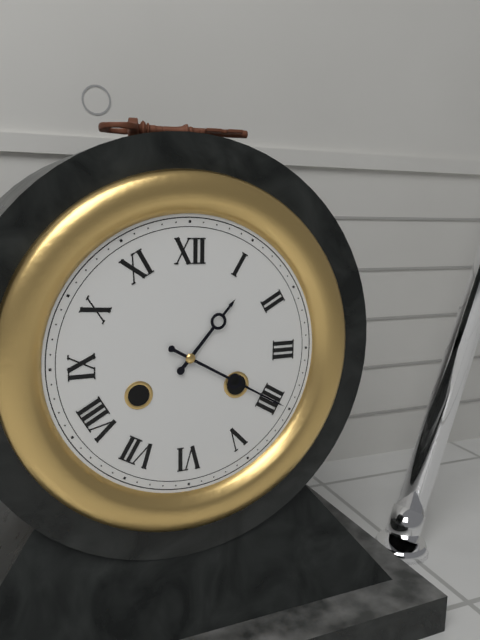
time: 1:20
